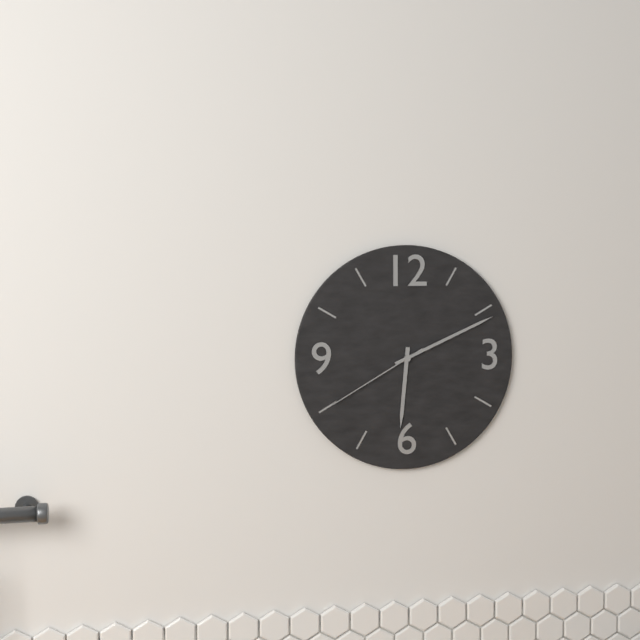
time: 6:11:40
